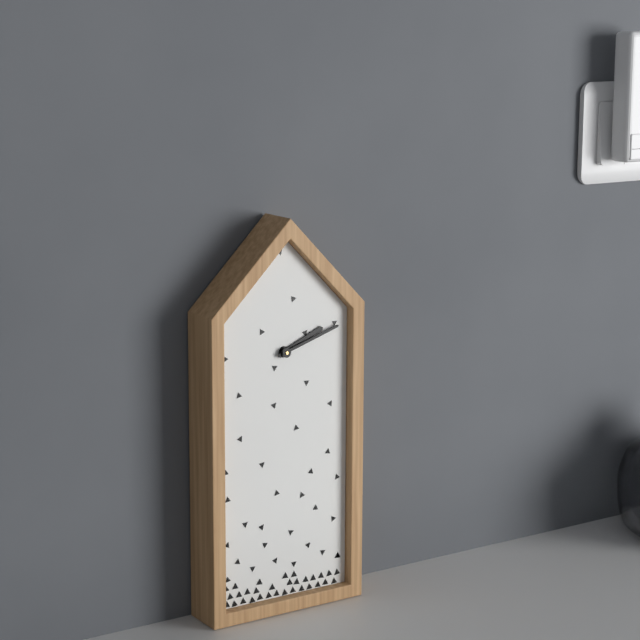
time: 2:12
